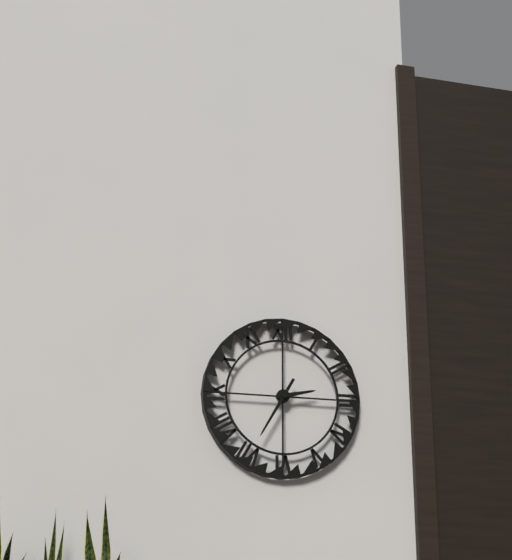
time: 2:35
